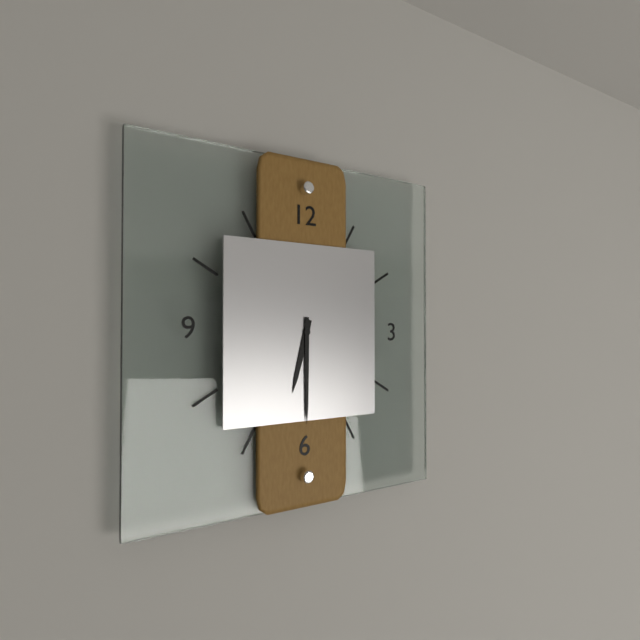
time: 6:30
